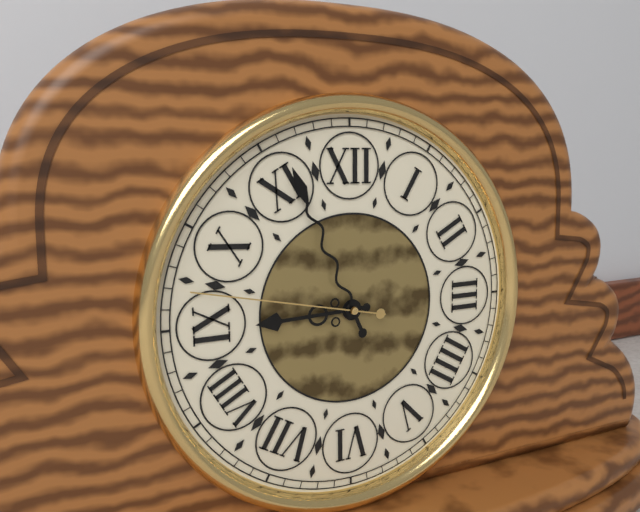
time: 8:56:47
